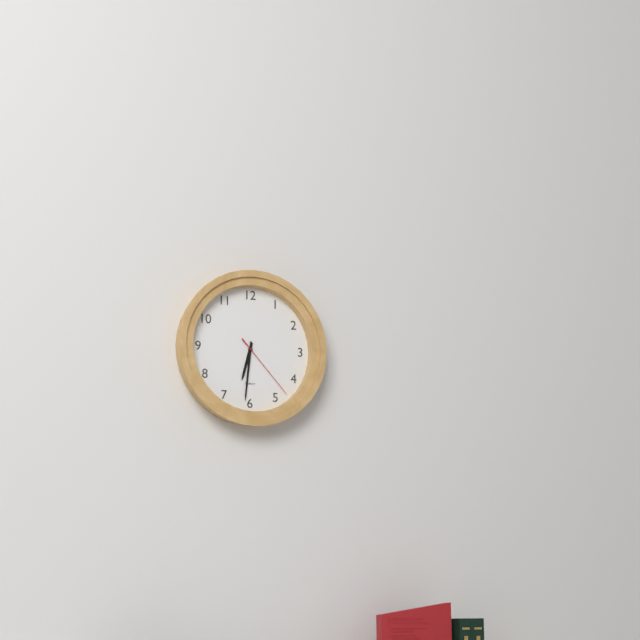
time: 6:31:23
